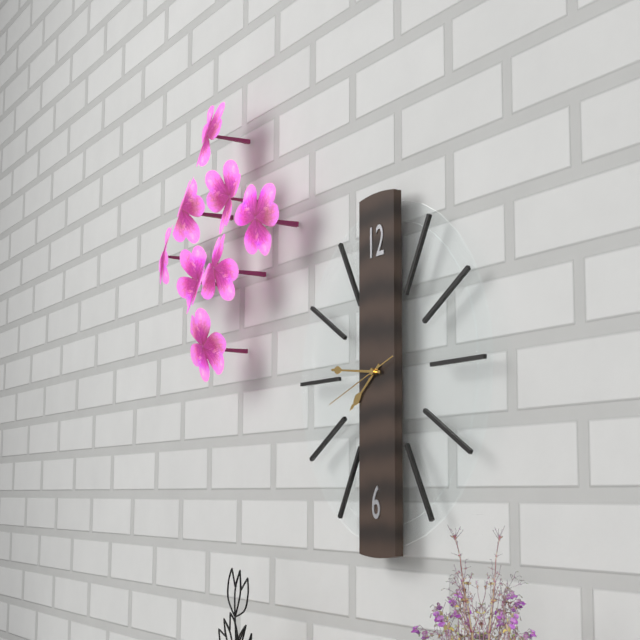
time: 7:46:42
